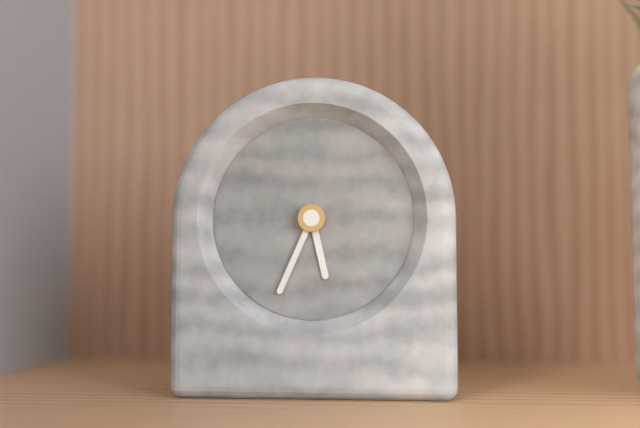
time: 5:34
